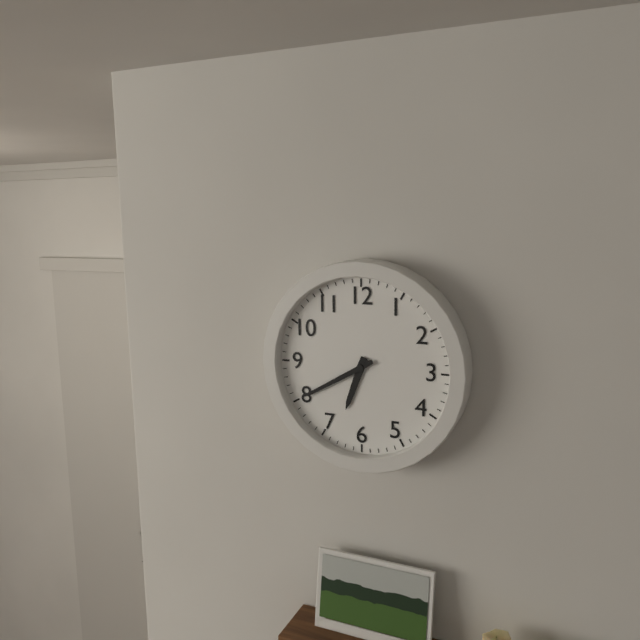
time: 6:40
